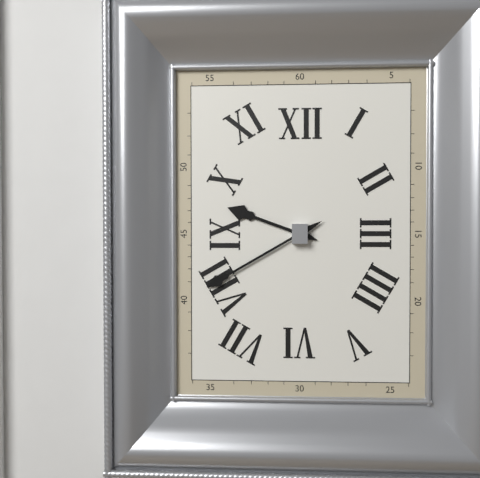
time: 9:40
